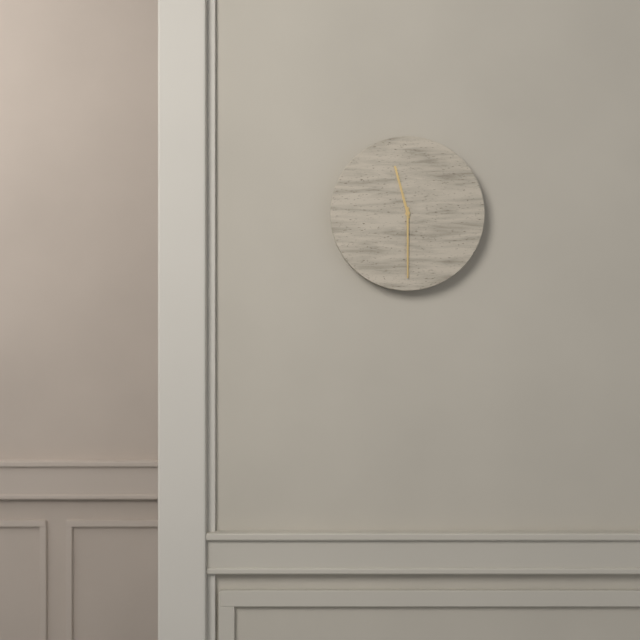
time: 11:30
